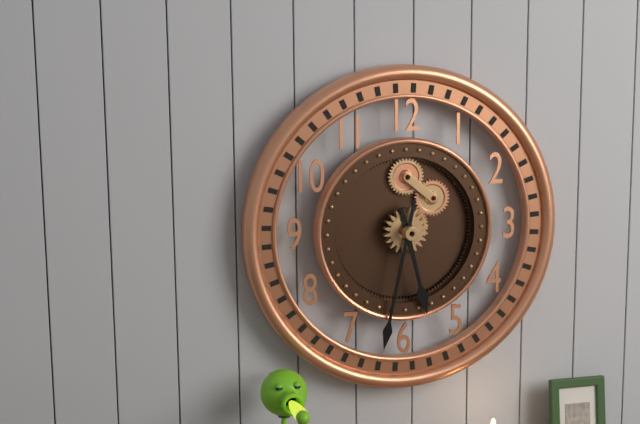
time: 5:32
